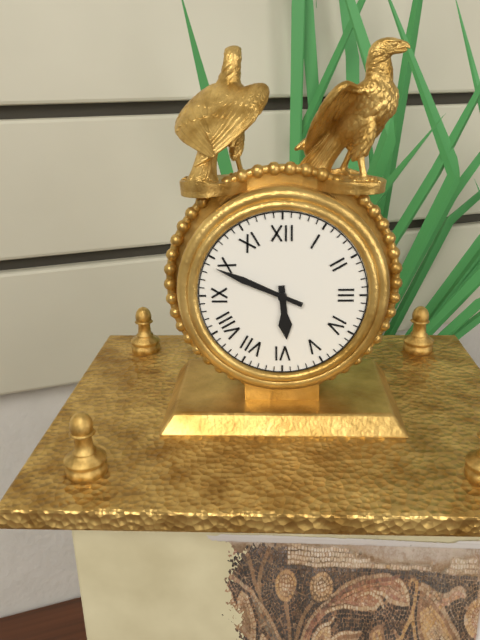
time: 5:49
